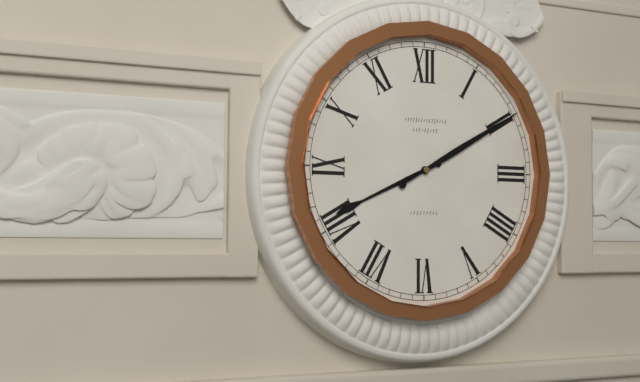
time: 8:10
